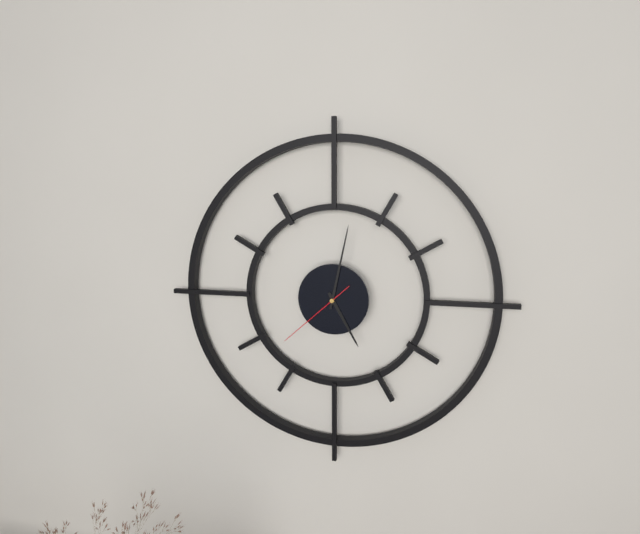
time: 5:02:38
